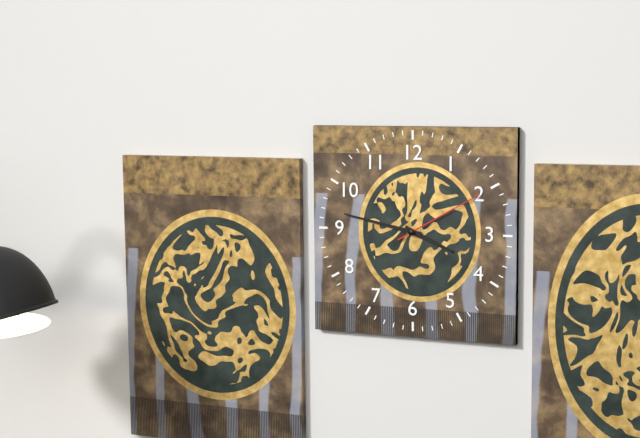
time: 3:47:10
